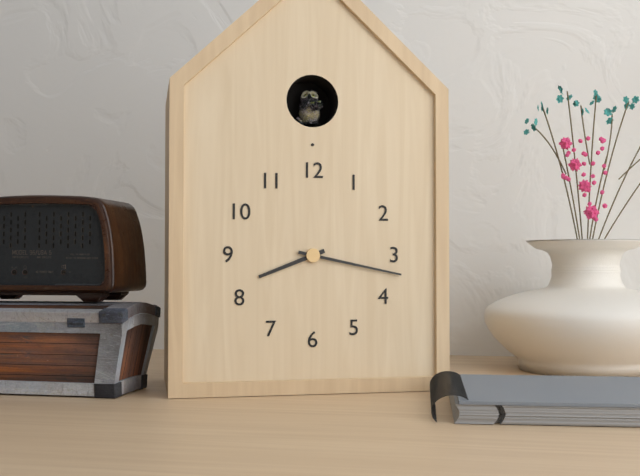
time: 8:17
